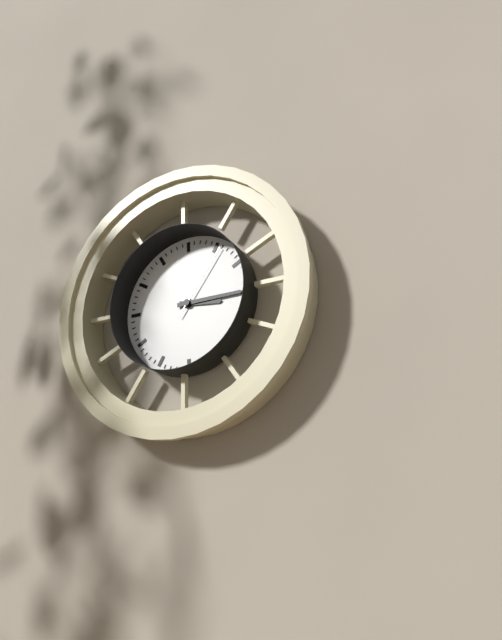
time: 3:15:06
